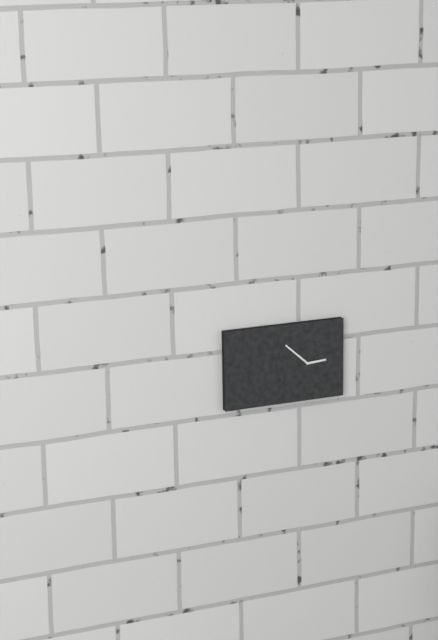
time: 2:52
